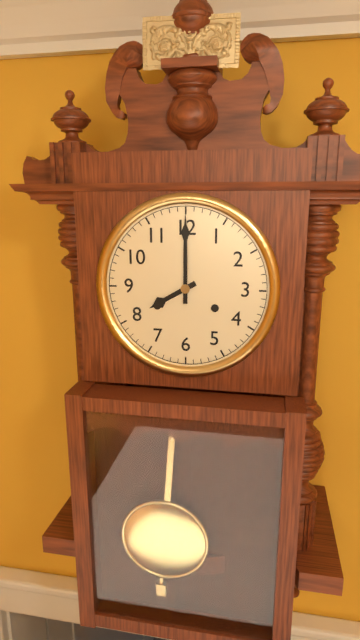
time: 8:00
